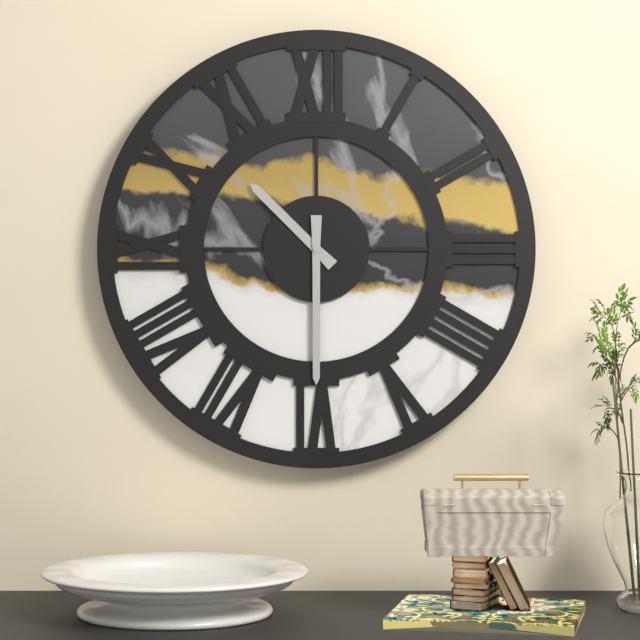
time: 10:30
